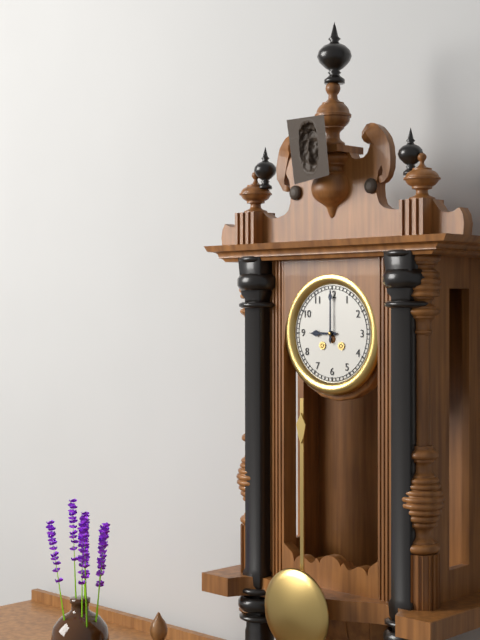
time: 9:00
